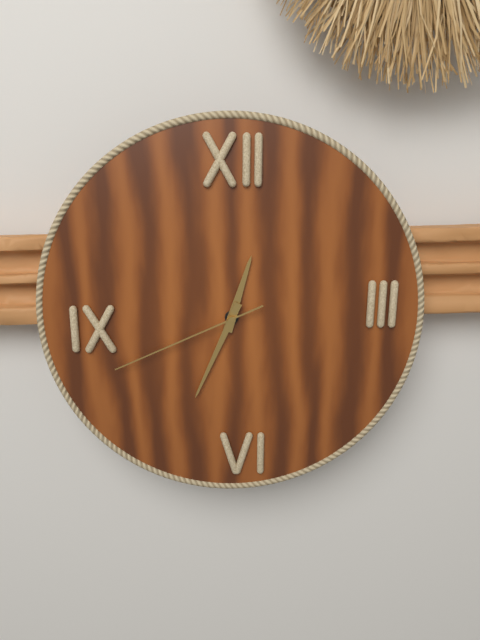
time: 12:34:41
